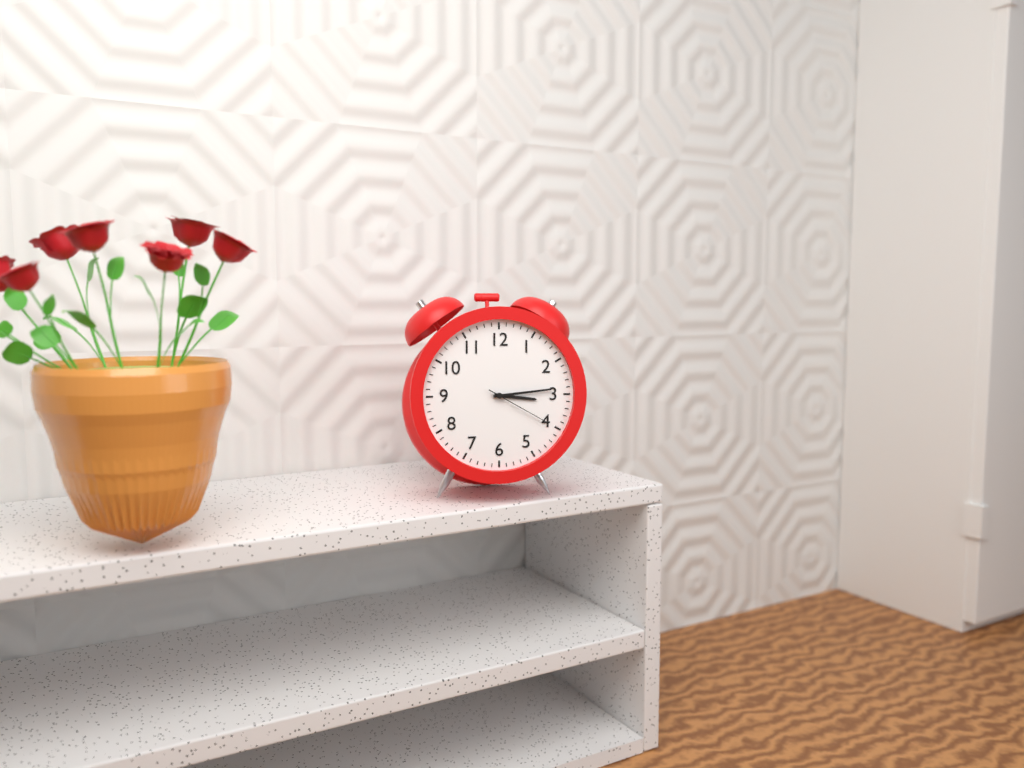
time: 3:14:20
